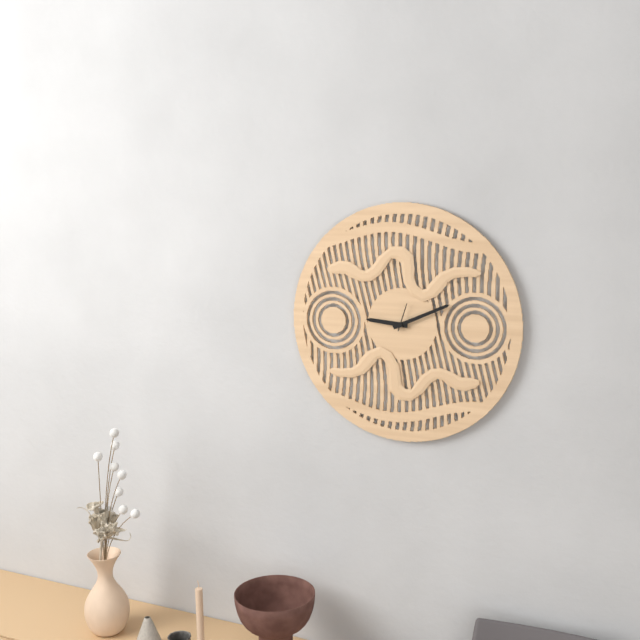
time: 9:11
